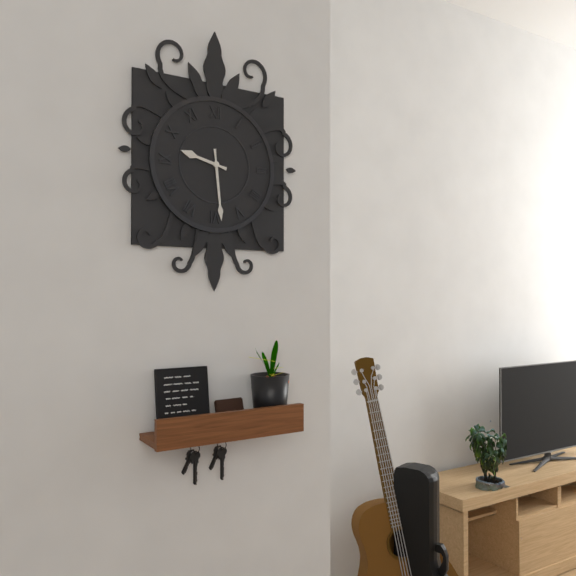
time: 9:29
